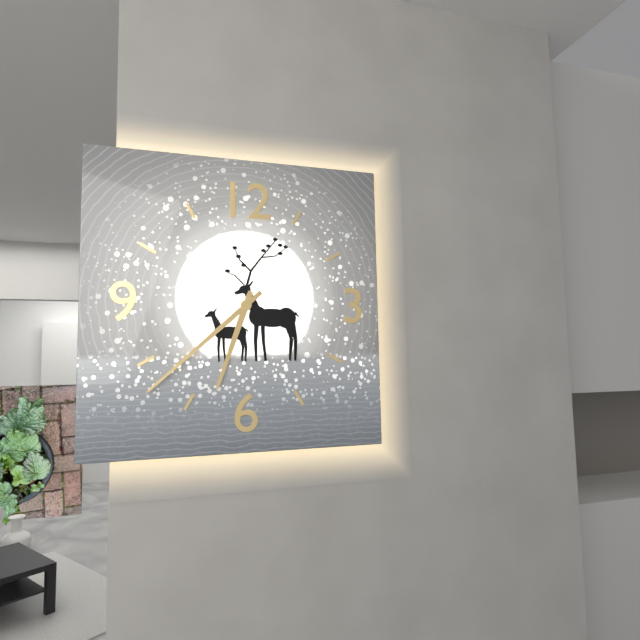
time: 6:38
